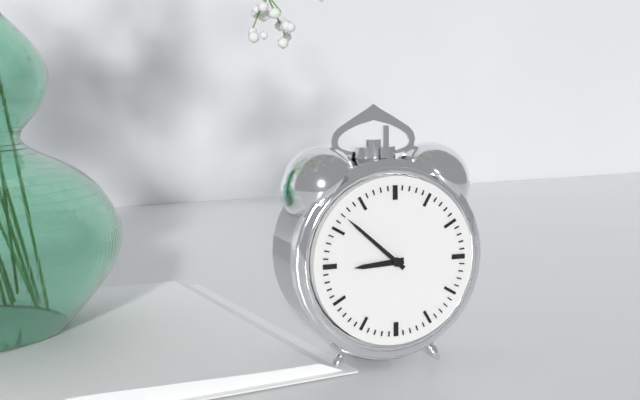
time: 8:52
